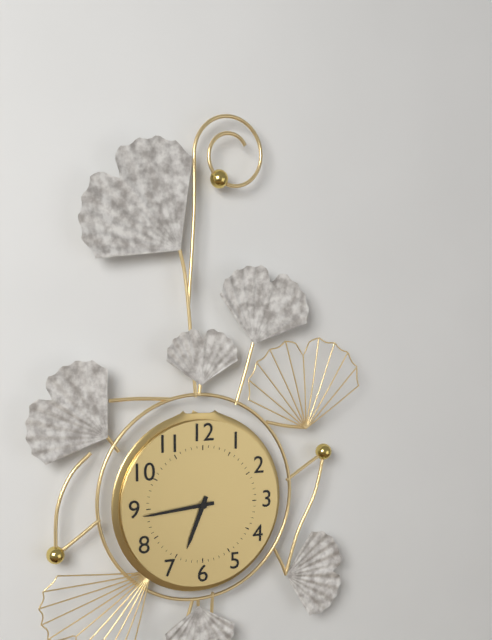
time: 6:44
